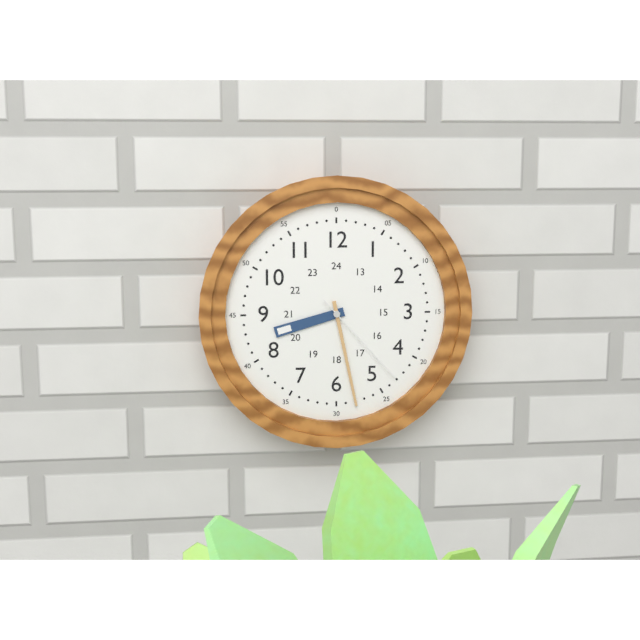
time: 8:28:23
